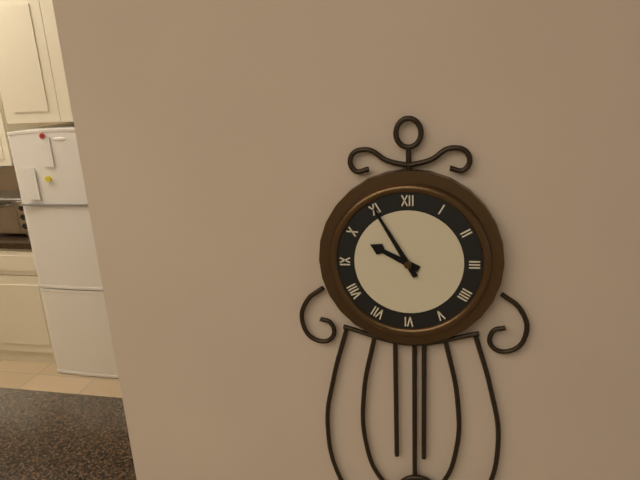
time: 9:55
